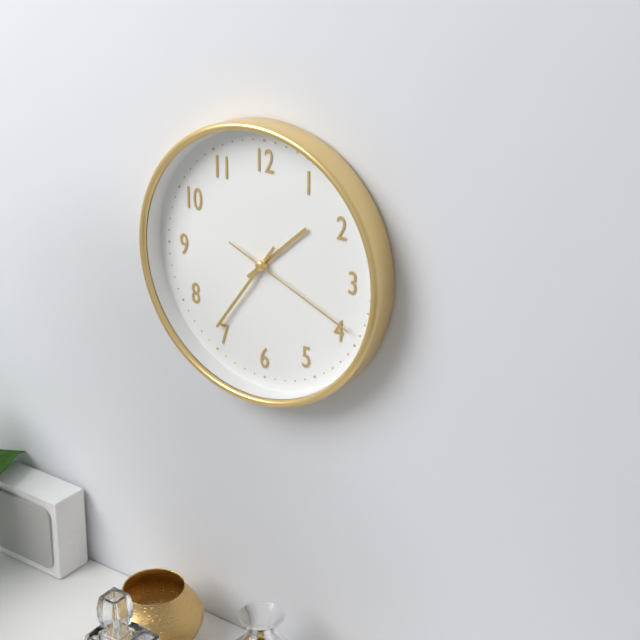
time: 1:36:19
